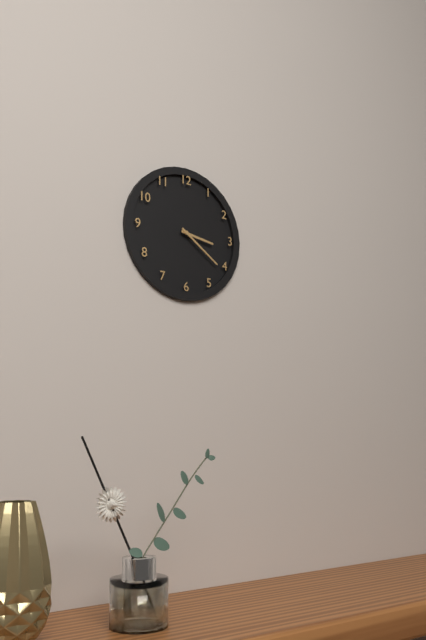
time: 3:21
